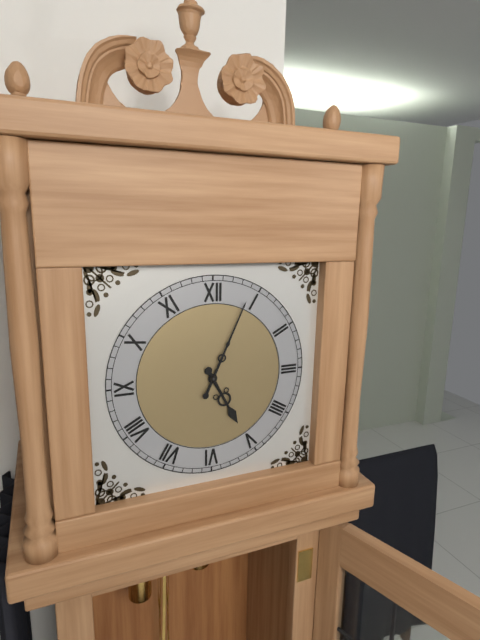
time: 5:04
